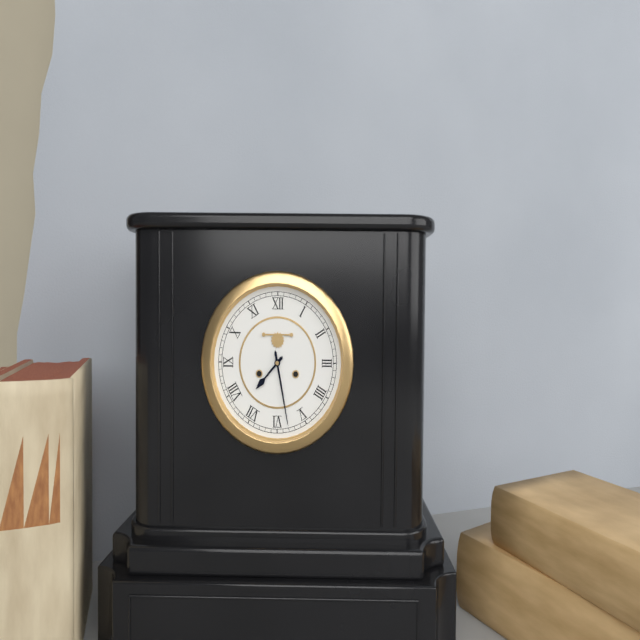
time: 7:28
